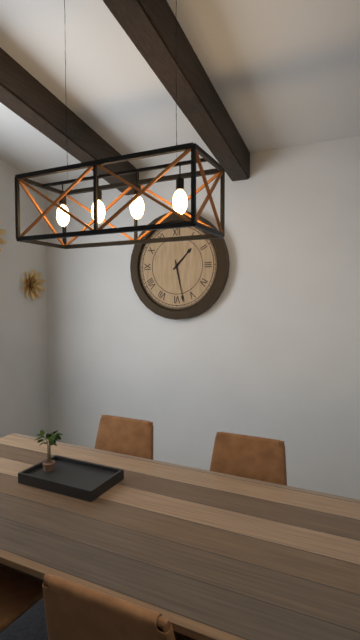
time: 1:28
